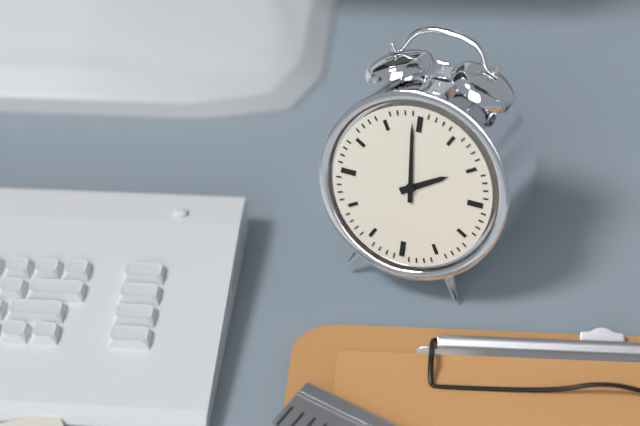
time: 1:59
